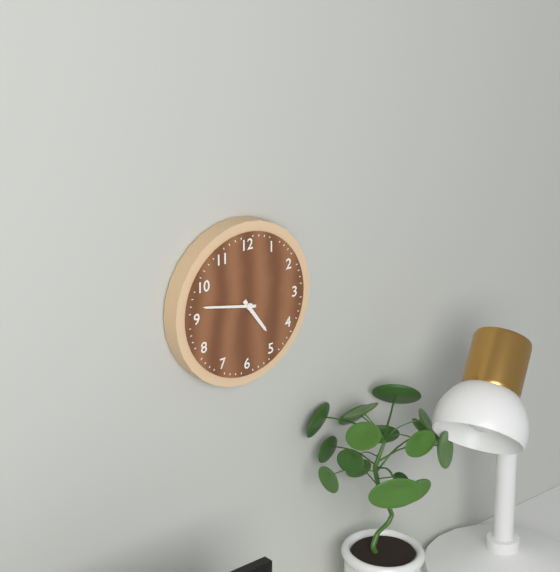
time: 4:47
